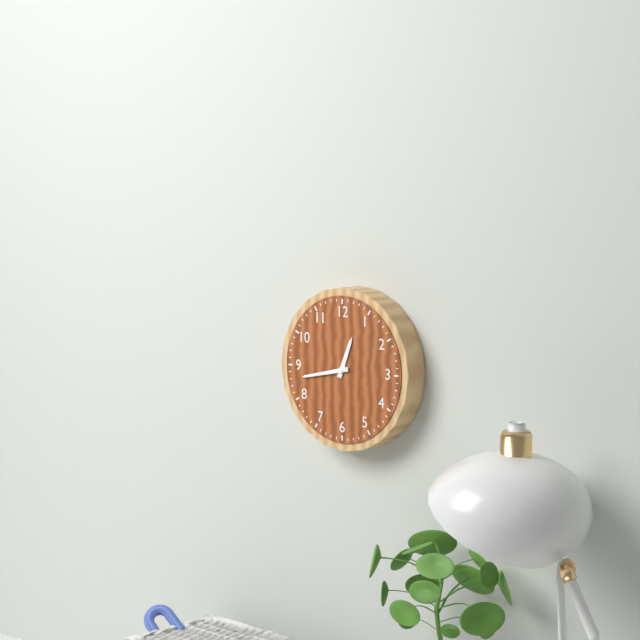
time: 12:43
